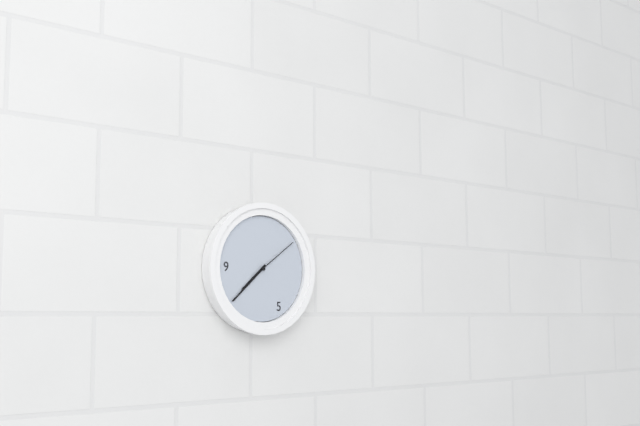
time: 7:38:09
